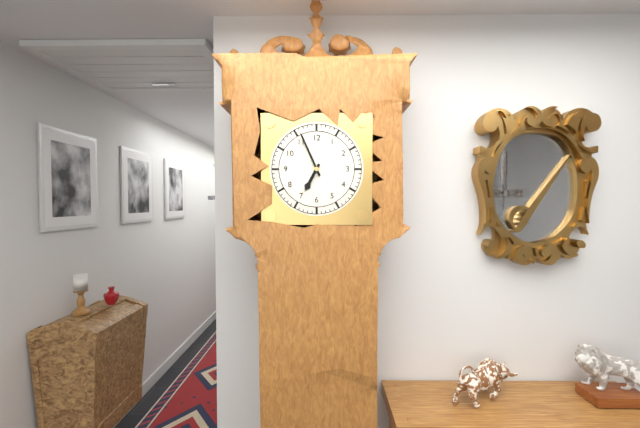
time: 6:56
